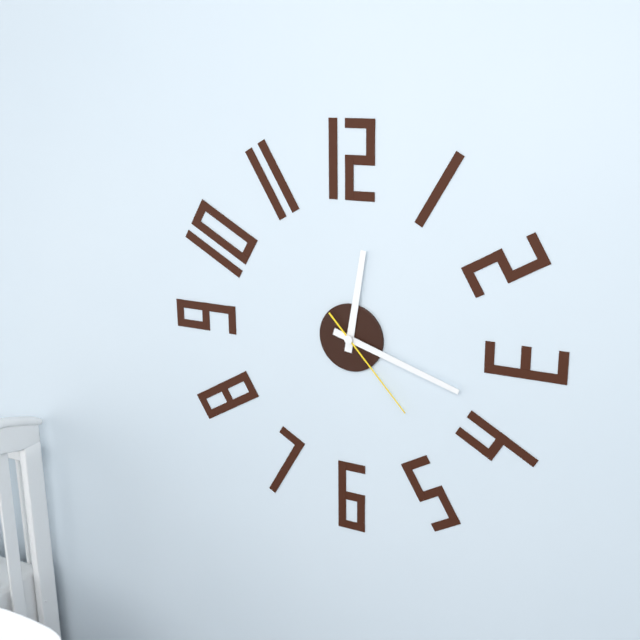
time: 12:18:23
